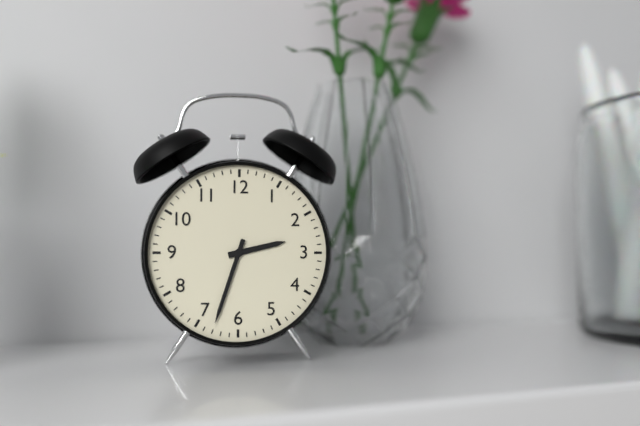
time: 2:33
